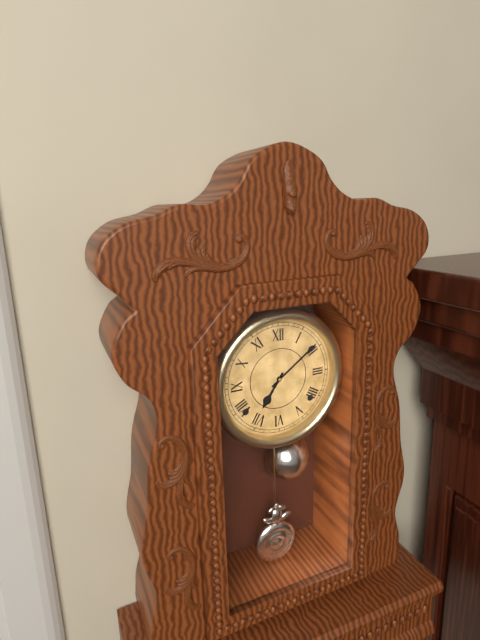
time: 7:09
